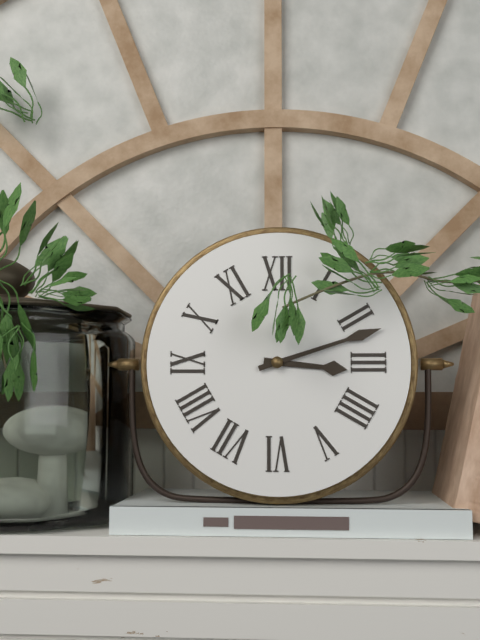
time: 3:12
